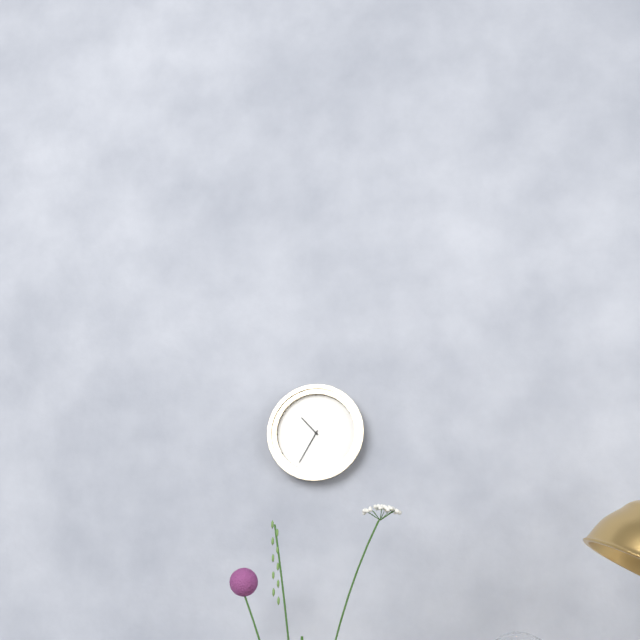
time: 10:35
